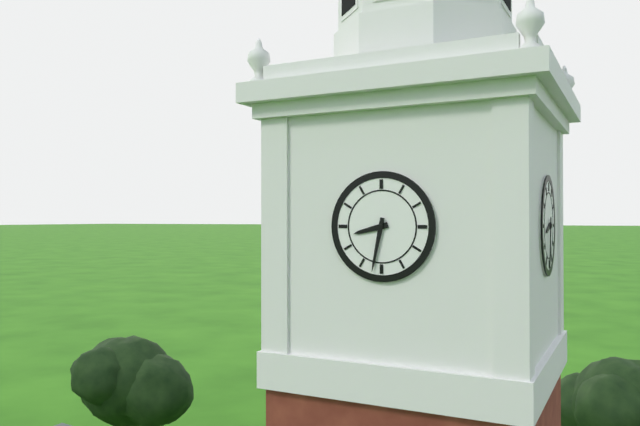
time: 8:32
